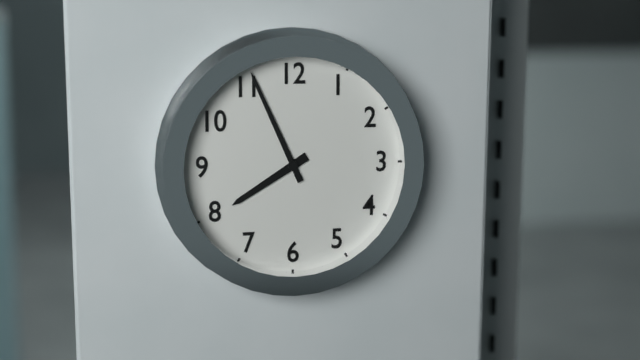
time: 7:56
